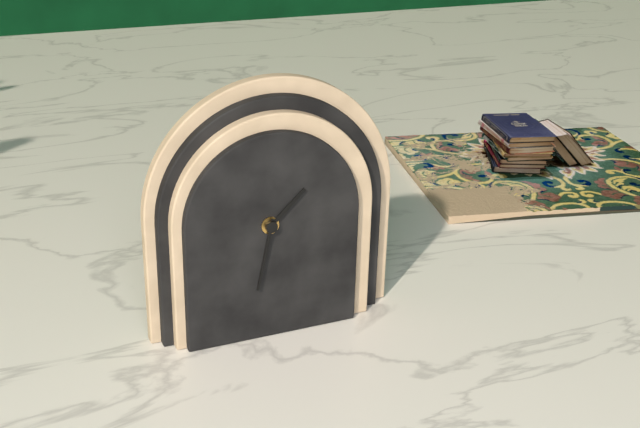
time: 1:32
